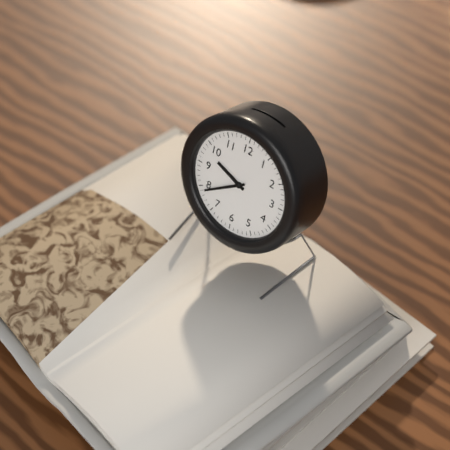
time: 9:39
